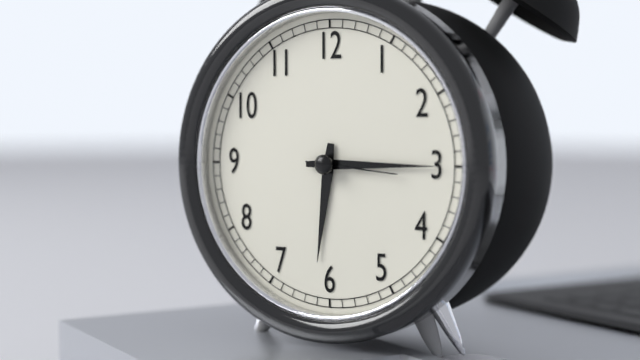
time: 6:15:16
